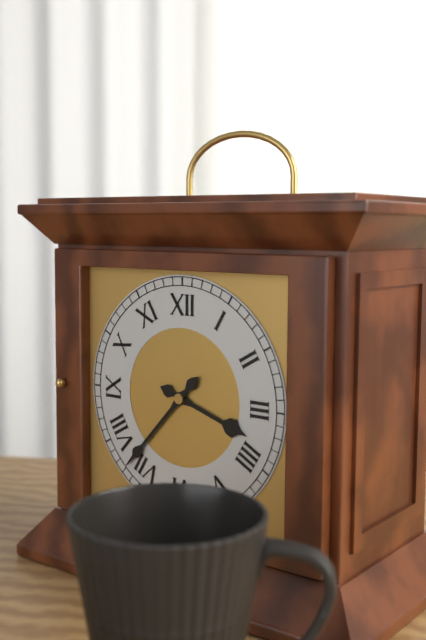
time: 3:37
